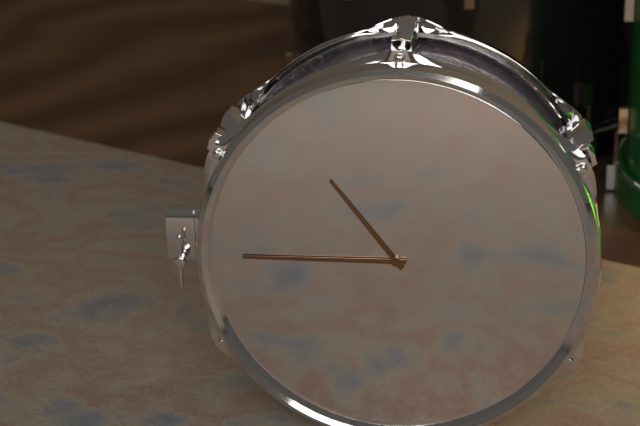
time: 10:45
